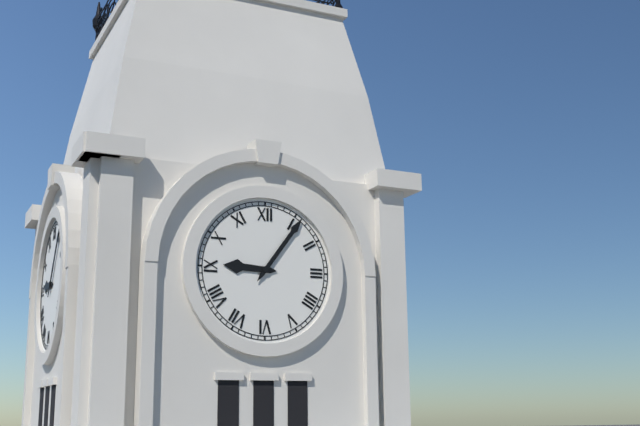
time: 9:06
